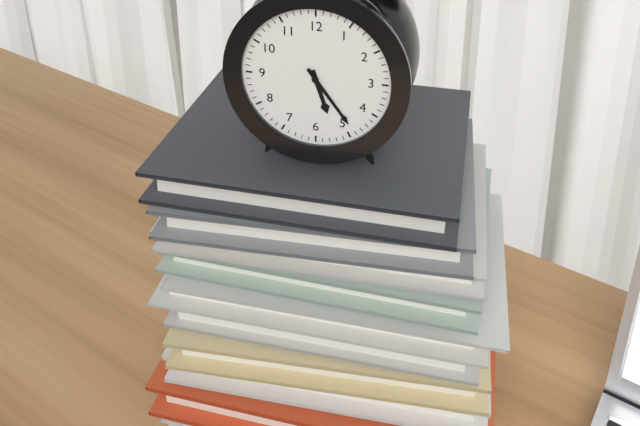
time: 5:24
